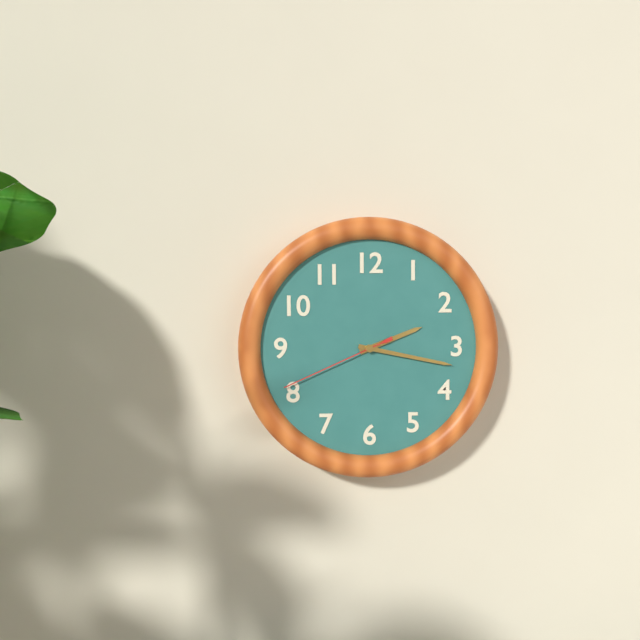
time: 2:17:41
